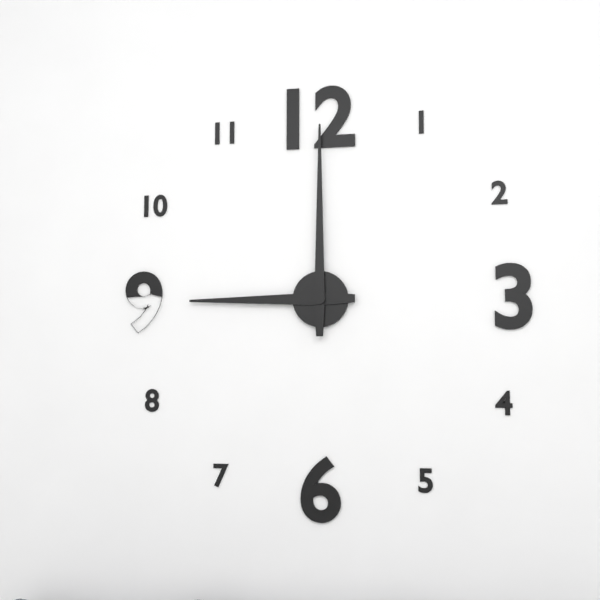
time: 9:00
